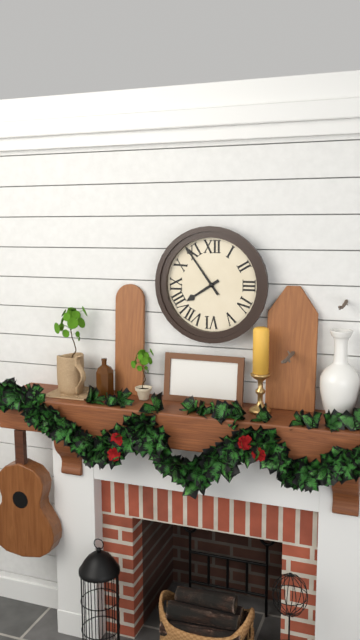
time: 7:54
